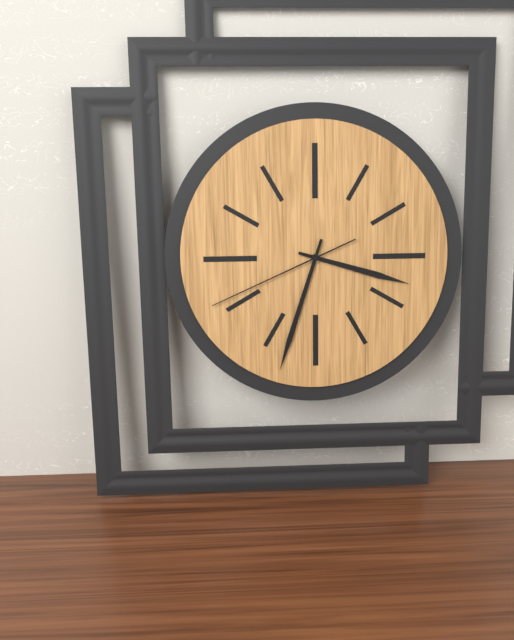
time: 3:33:41
